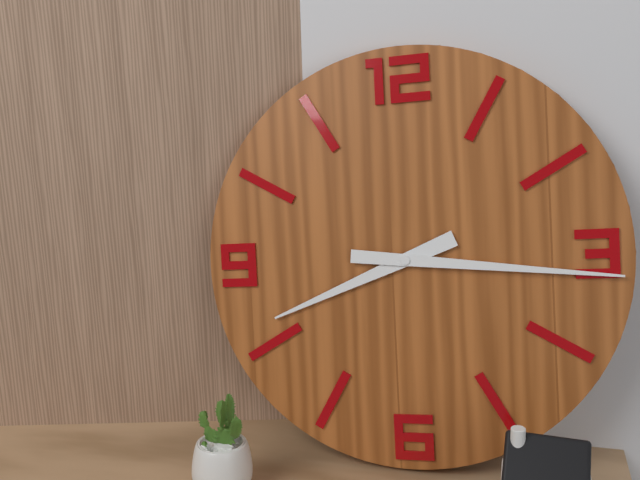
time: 8:16
